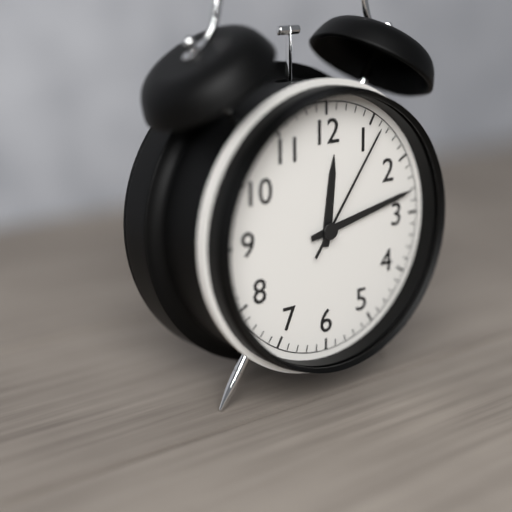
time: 12:13:06
